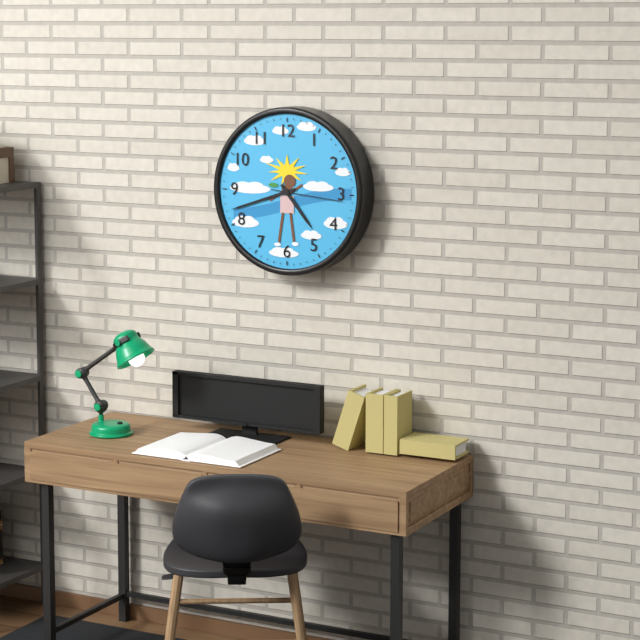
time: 4:42:16
